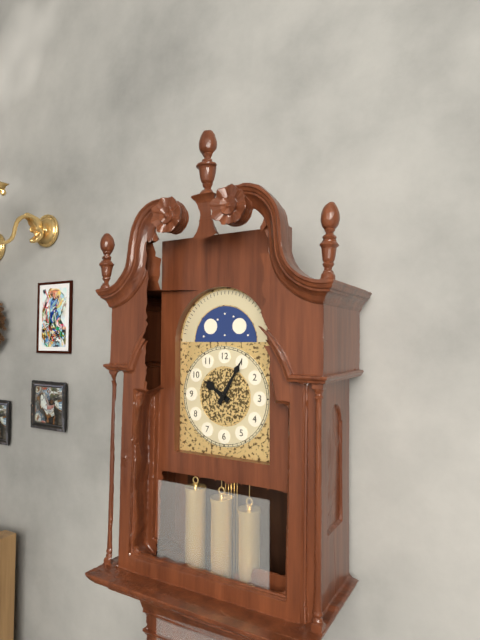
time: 10:05
